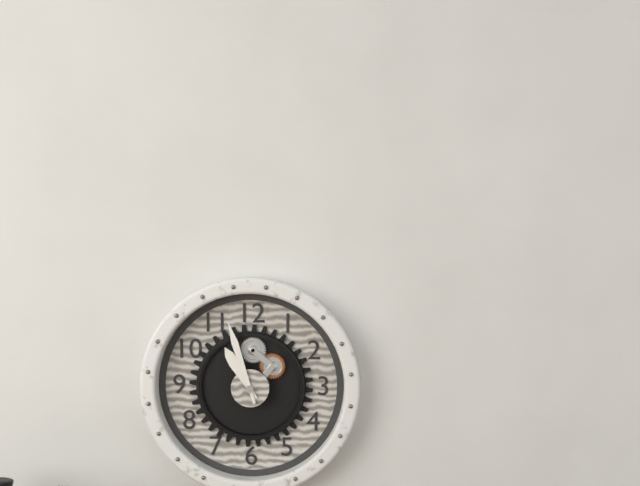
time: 10:57
